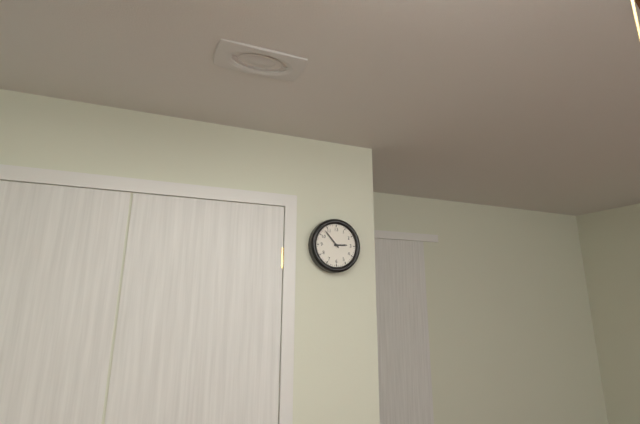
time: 2:53
